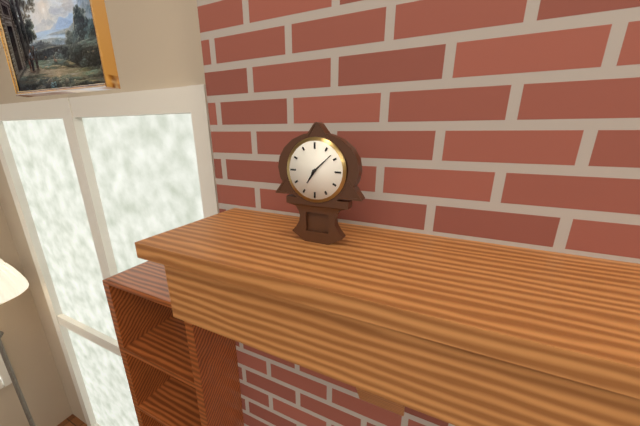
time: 7:08
